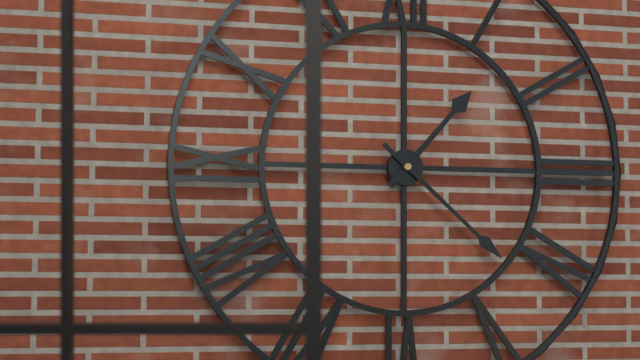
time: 1:22
